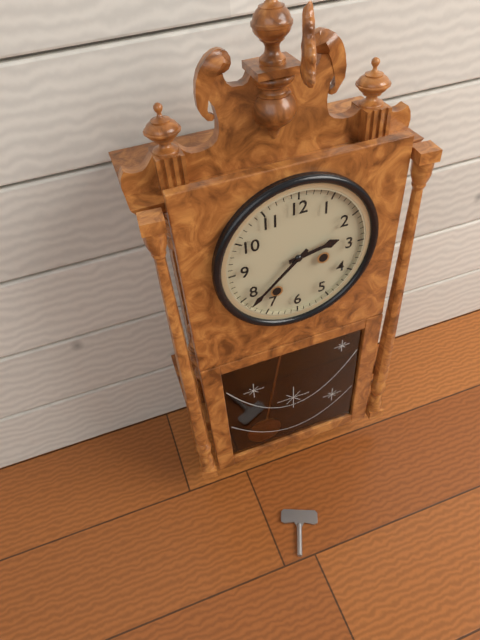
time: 2:38
